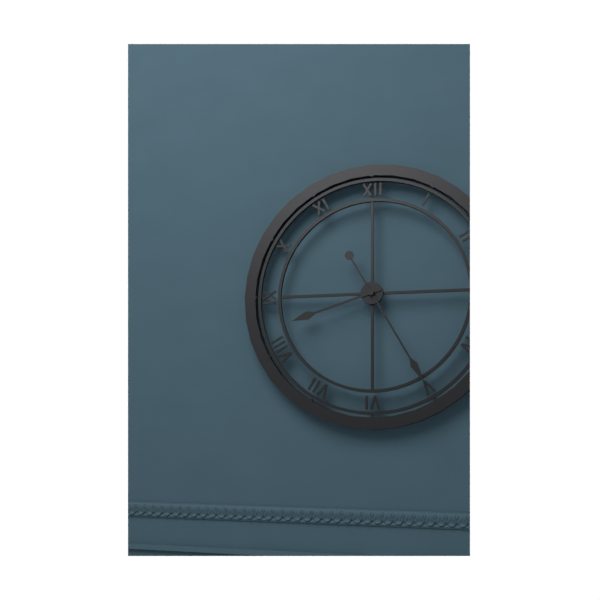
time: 8:25
